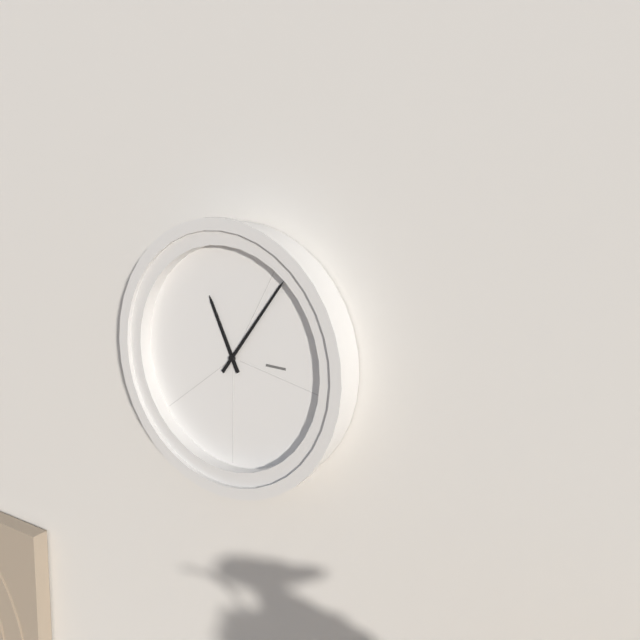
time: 11:06
